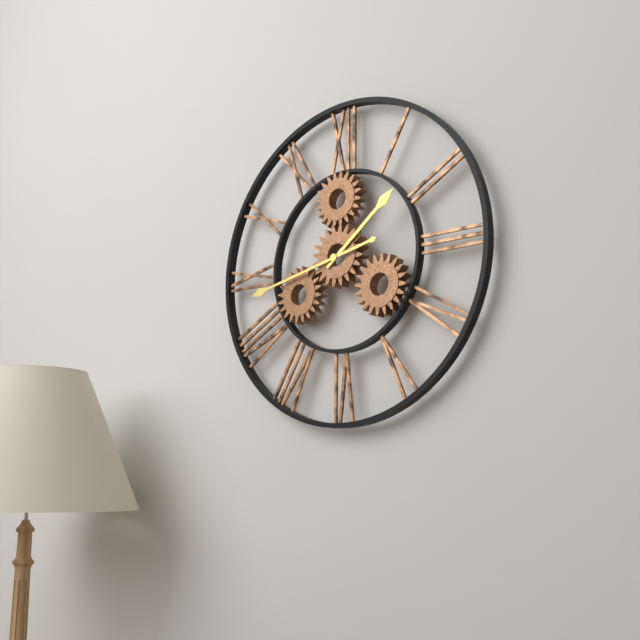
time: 1:43
